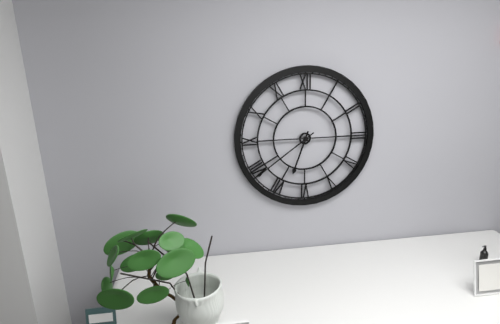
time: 6:39
